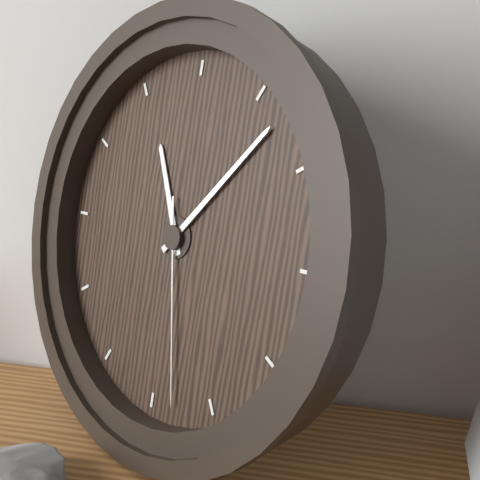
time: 11:07:28
